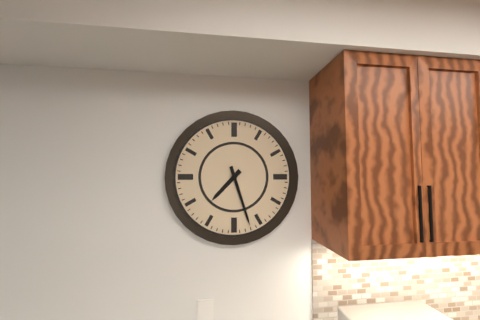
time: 7:27
